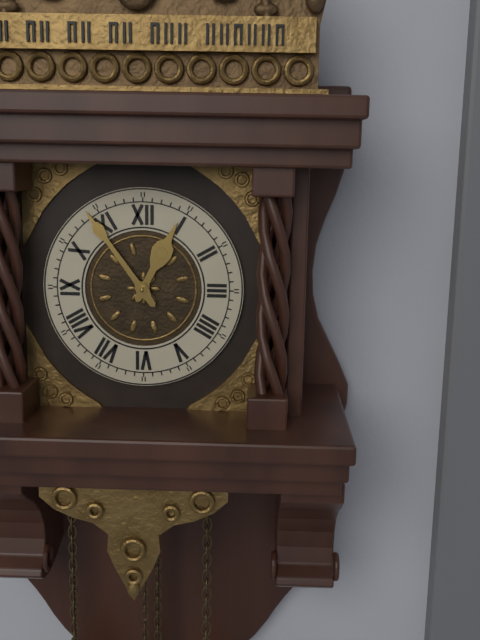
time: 12:54
